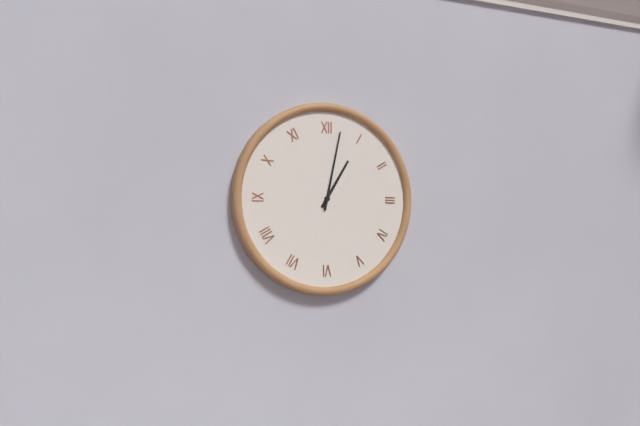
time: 1:02
